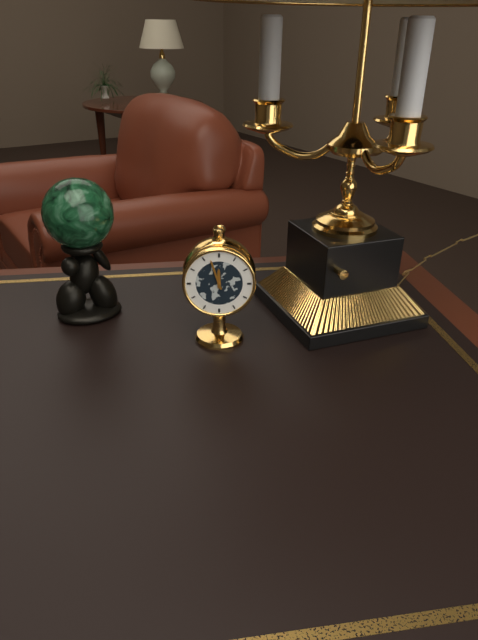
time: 11:57
